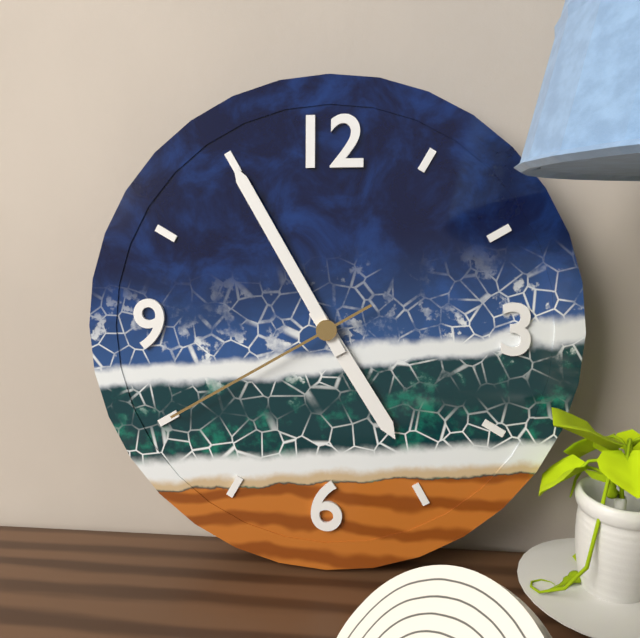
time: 4:55:40
